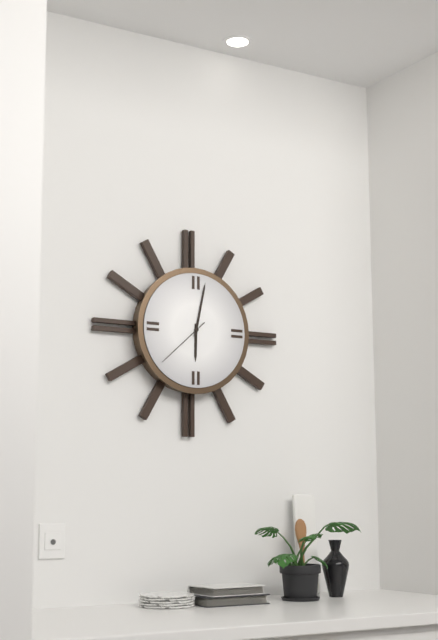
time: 6:02:38
